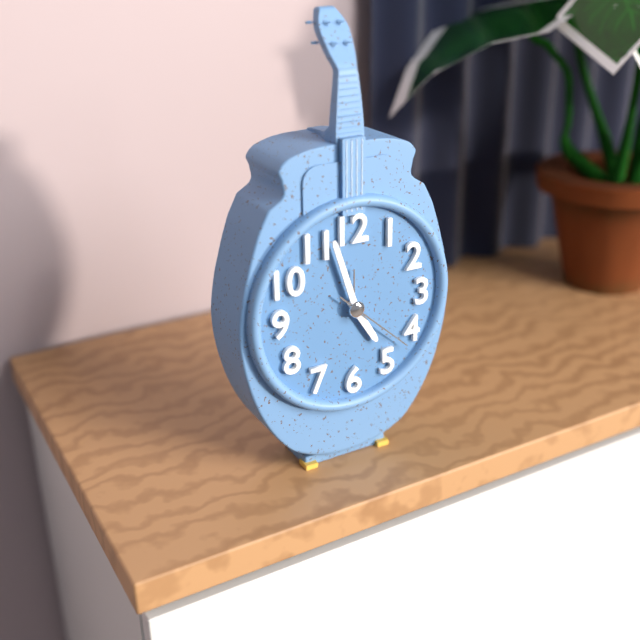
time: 4:57:22
